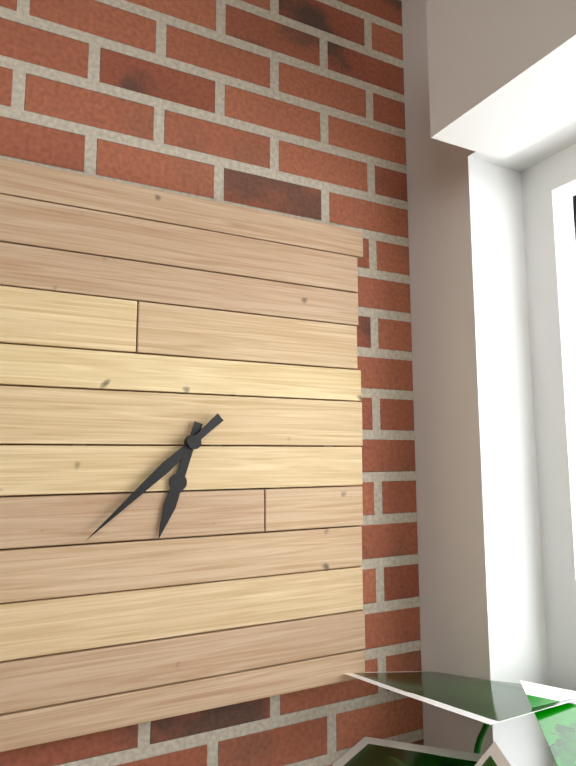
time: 6:38
